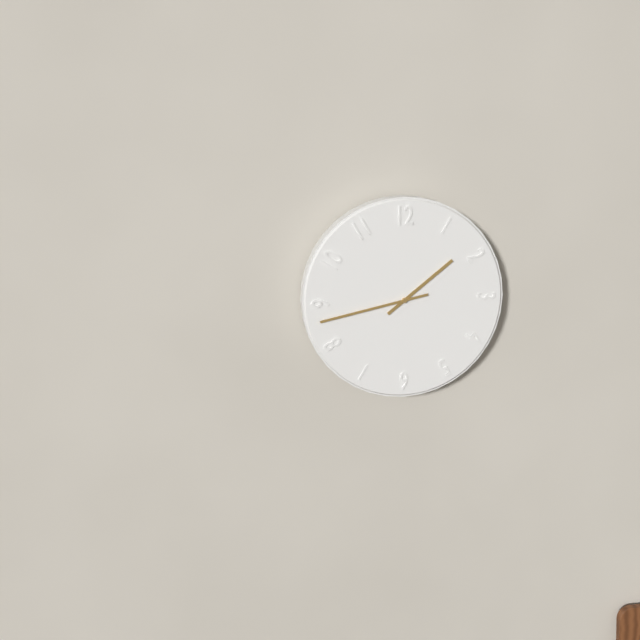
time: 1:43
